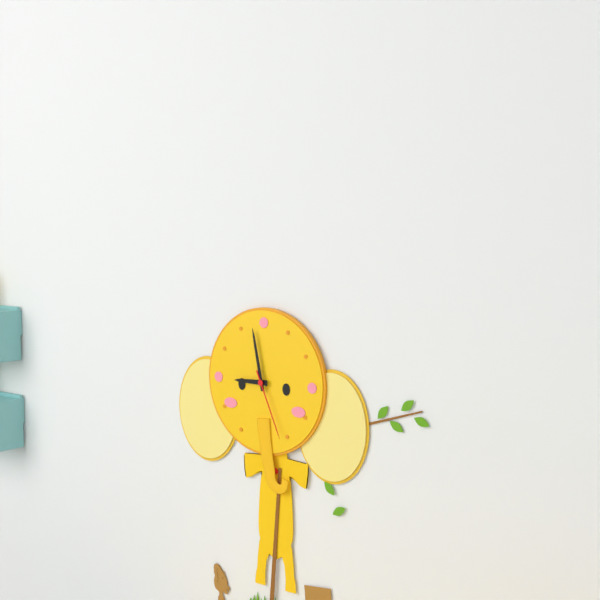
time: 8:58:26
